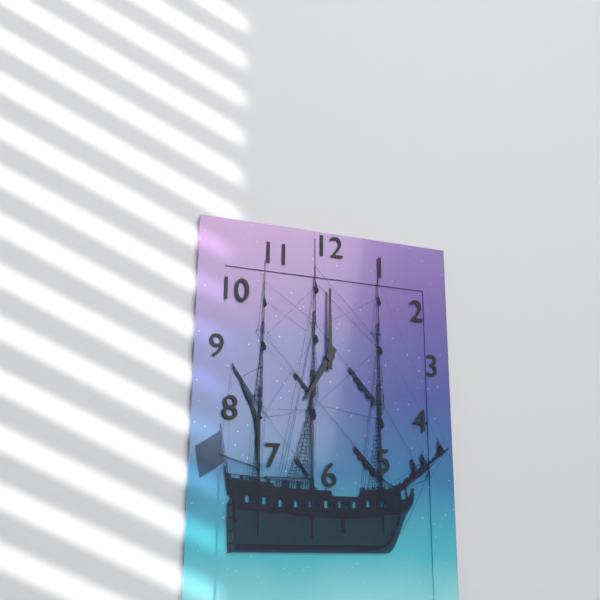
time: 7:00
